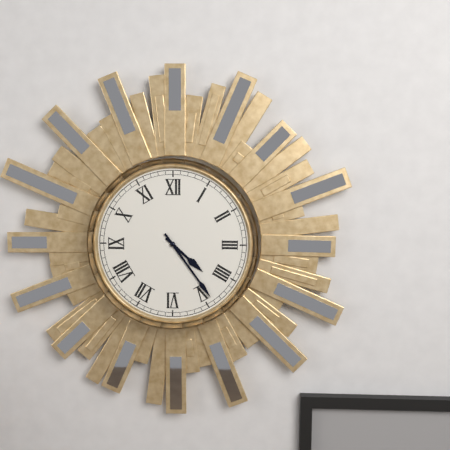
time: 4:24
